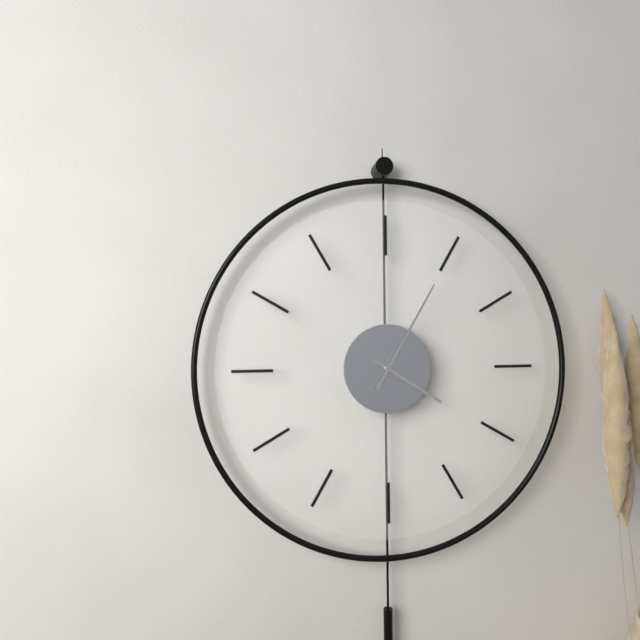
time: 4:05
